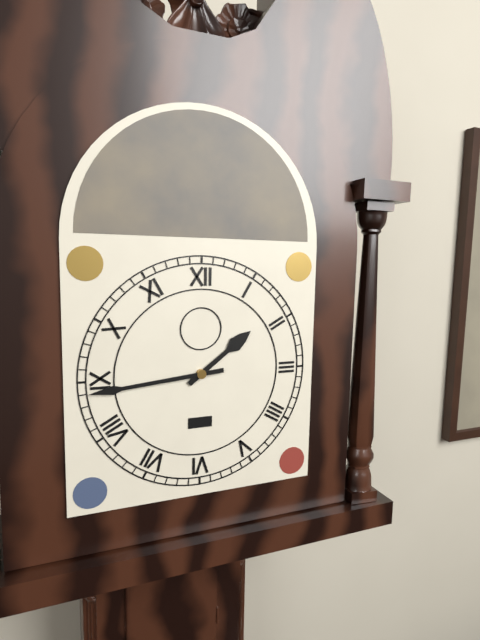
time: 1:44
